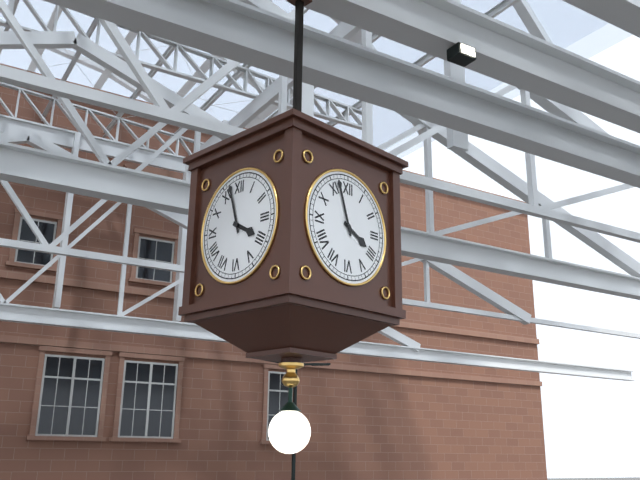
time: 3:57
